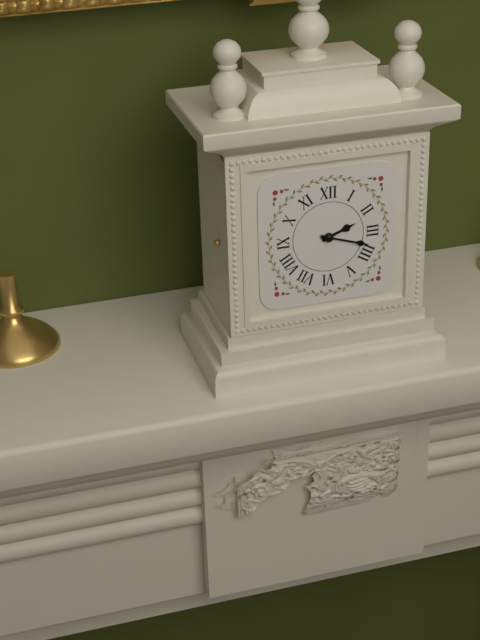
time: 2:18
